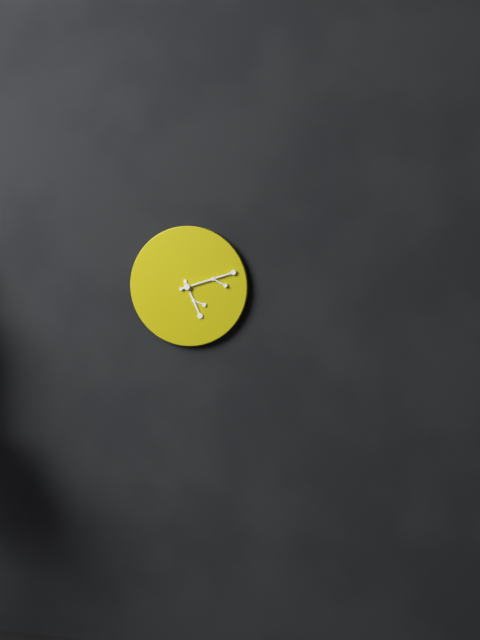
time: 5:12
